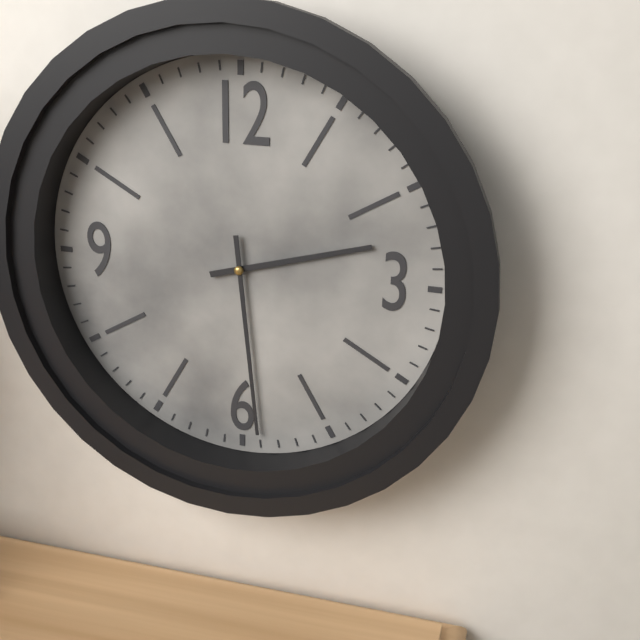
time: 2:29
